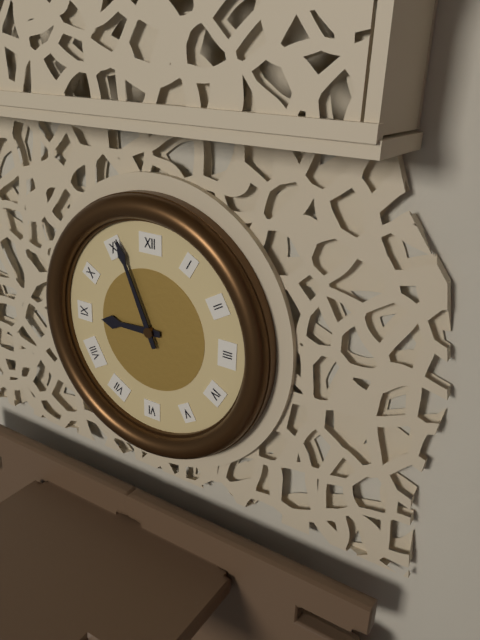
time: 8:56
